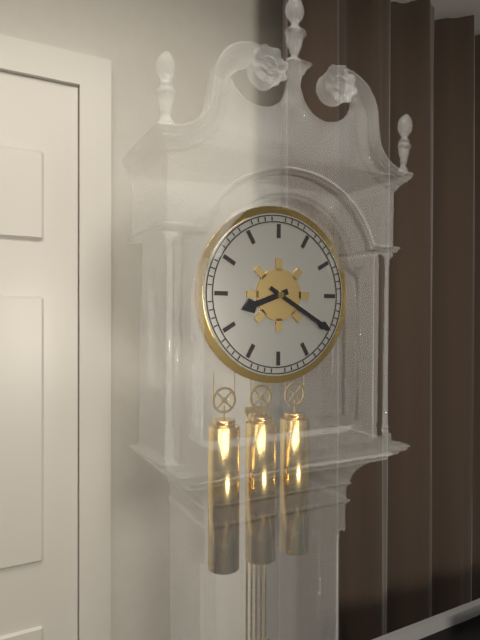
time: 8:20
